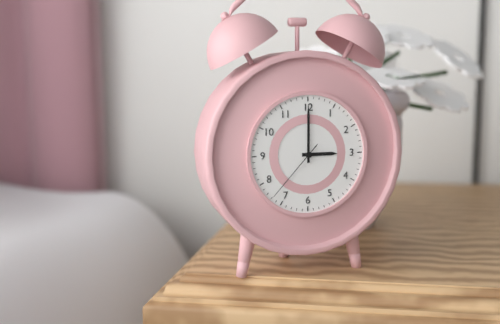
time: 3:00:37
